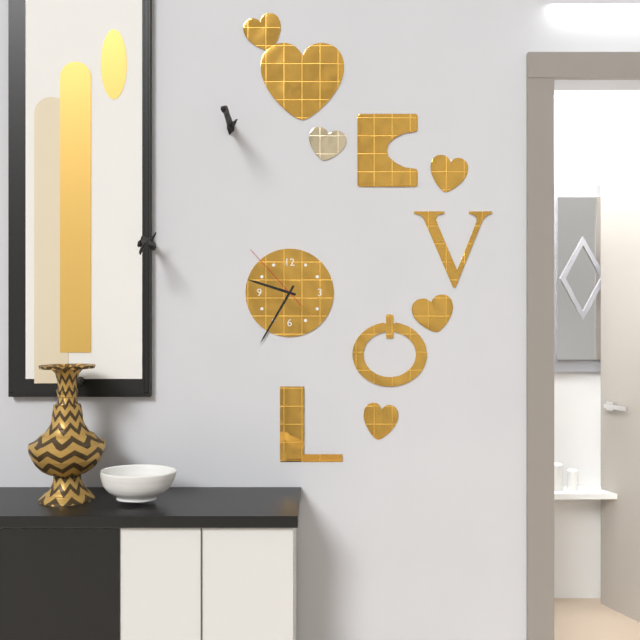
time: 9:35:53
